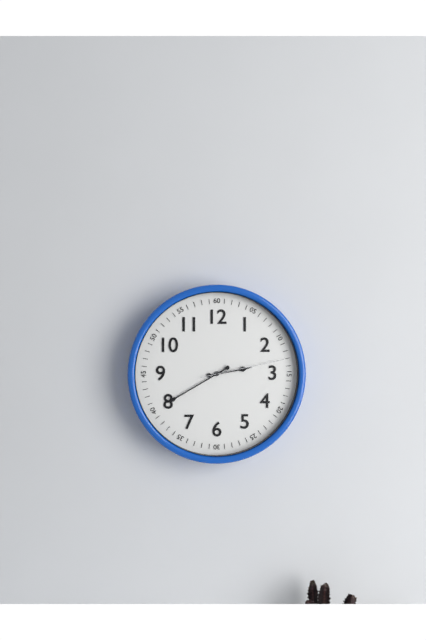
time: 2:40:13
